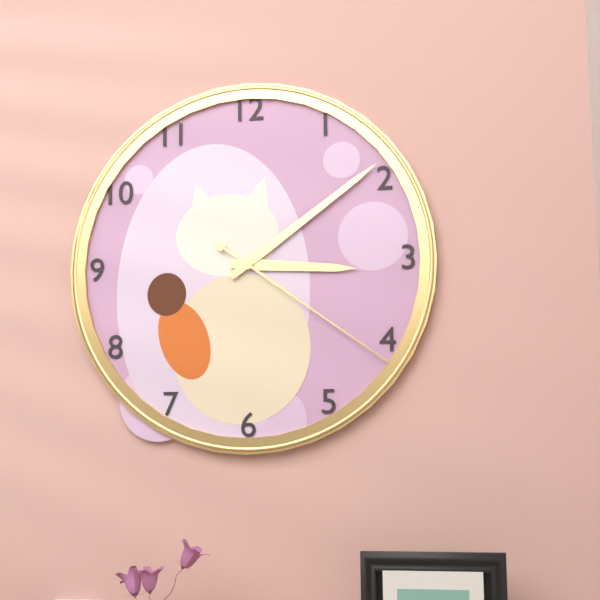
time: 3:09:21
